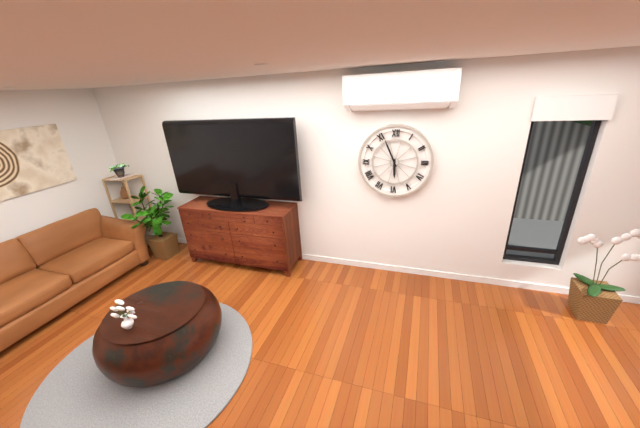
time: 5:56
